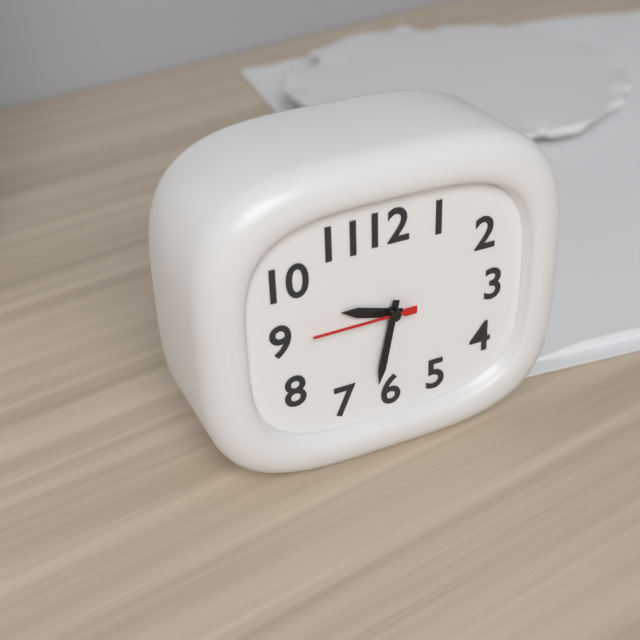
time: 9:32:45
